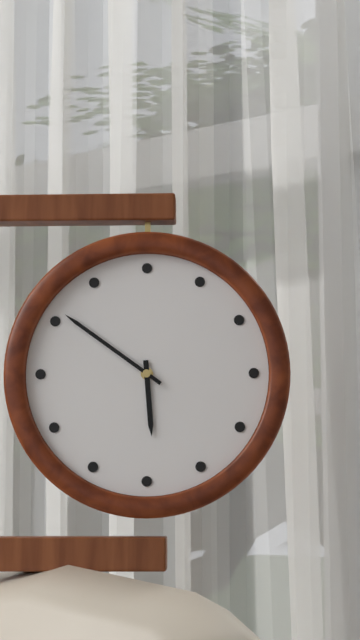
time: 5:51
